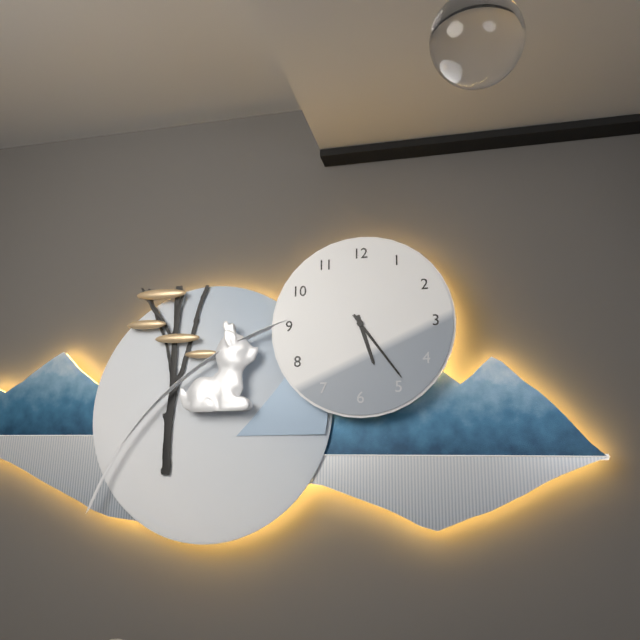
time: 5:24
